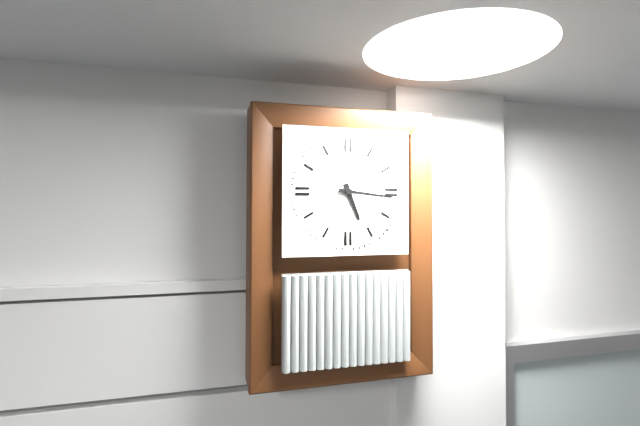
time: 5:16
